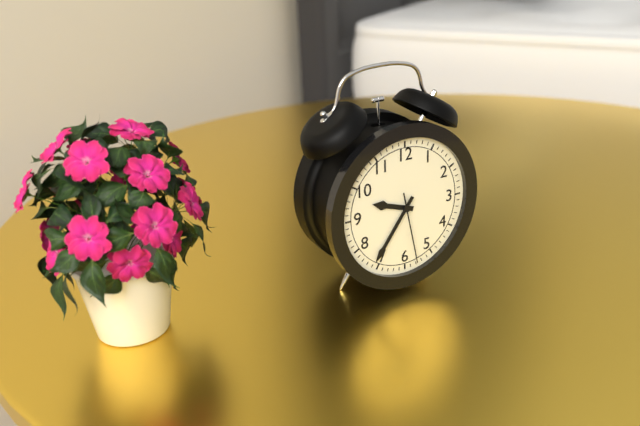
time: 9:36:28
